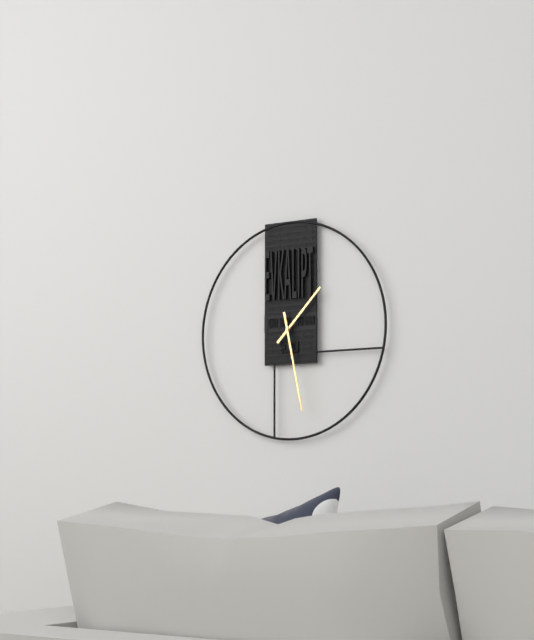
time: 1:28
